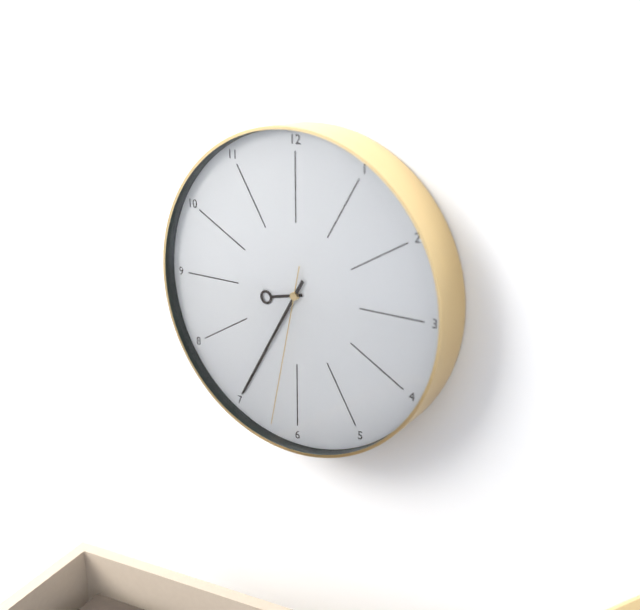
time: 8:35:32
